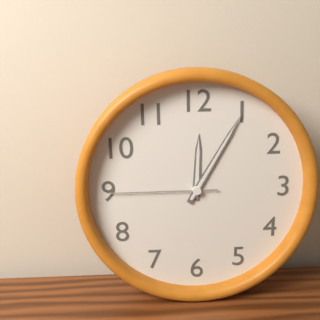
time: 12:05:45
